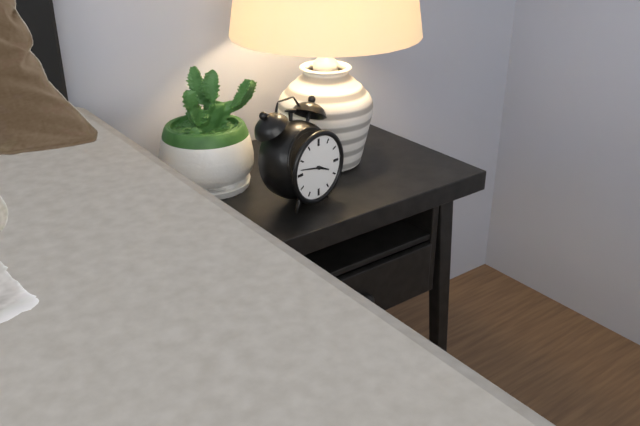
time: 3:47
